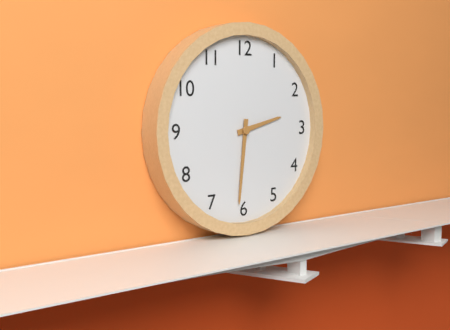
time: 2:31
